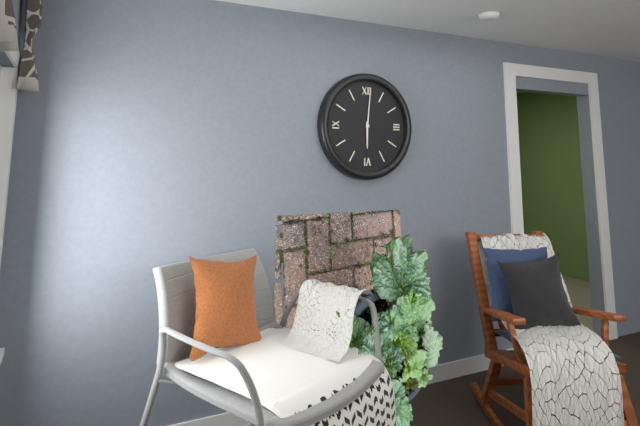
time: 6:01
